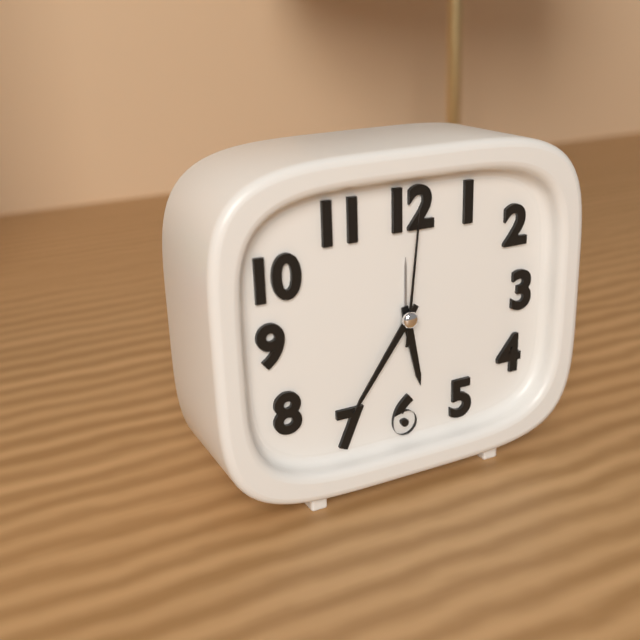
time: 5:36:01
